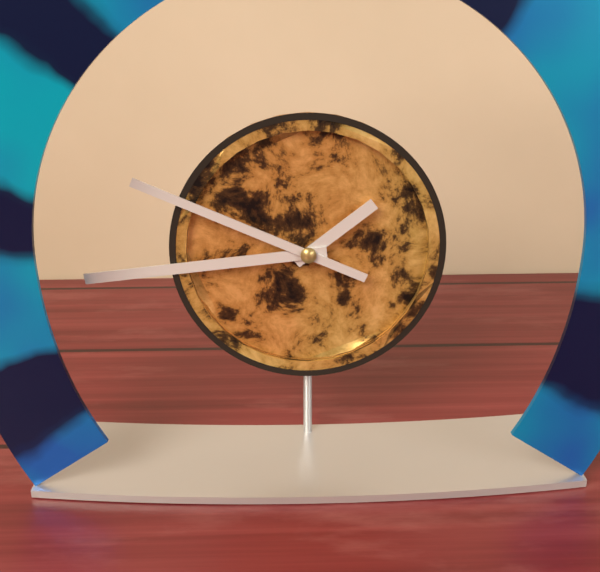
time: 1:44:49
